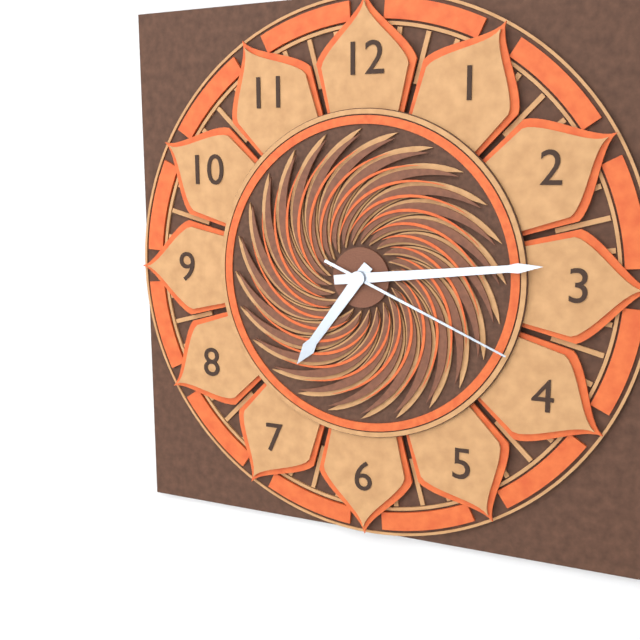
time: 7:14:19
